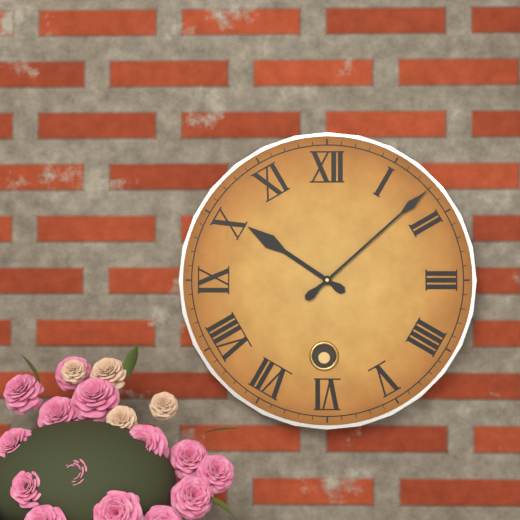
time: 10:08
